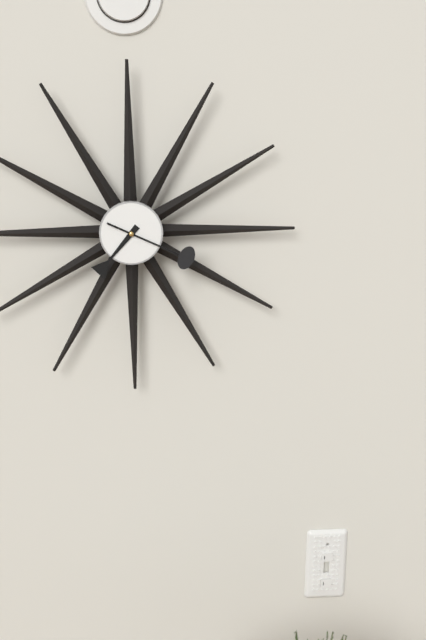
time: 7:19
